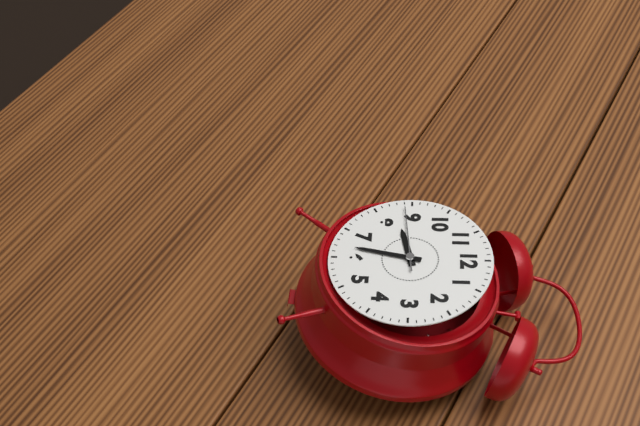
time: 8:32:44
